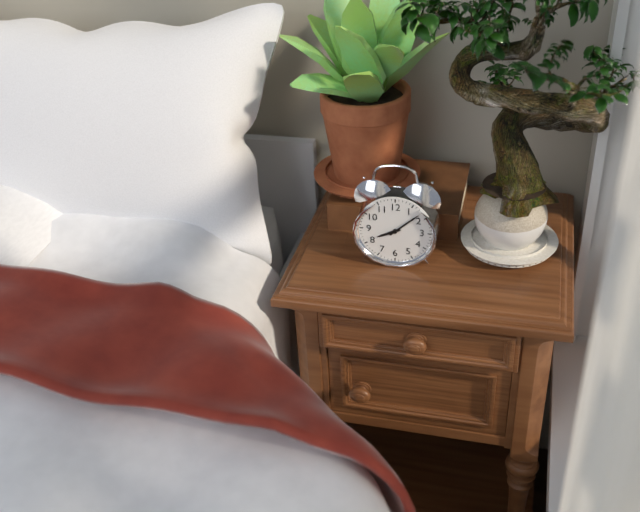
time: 8:08
